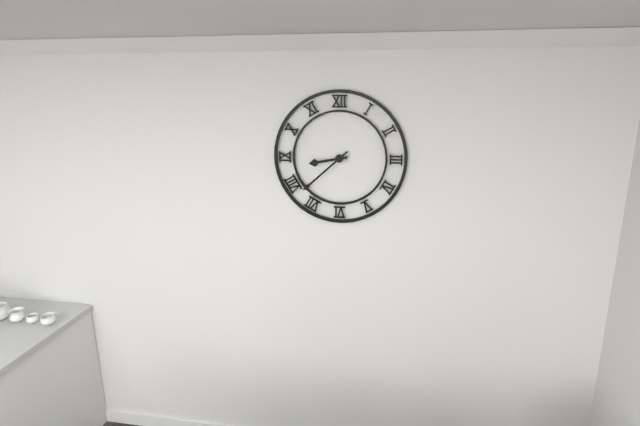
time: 8:38
